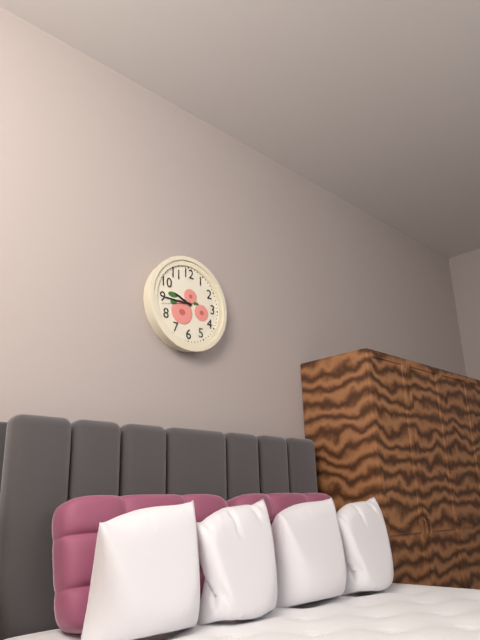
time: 9:45
